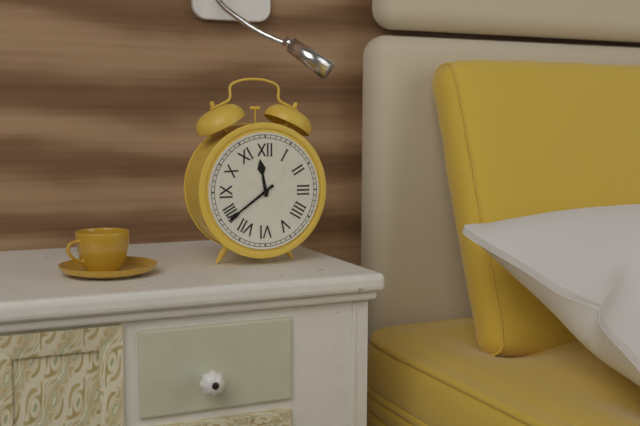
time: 11:39
